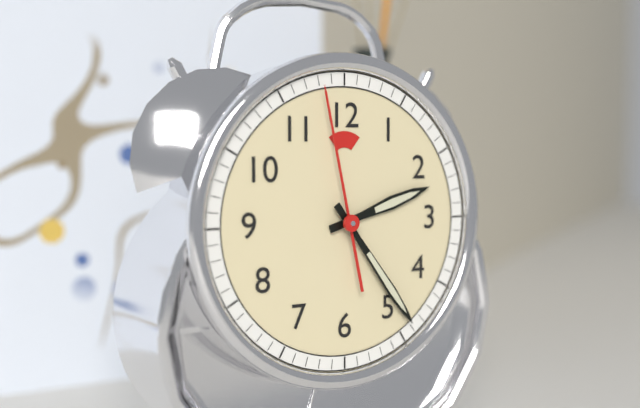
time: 2:24:58
